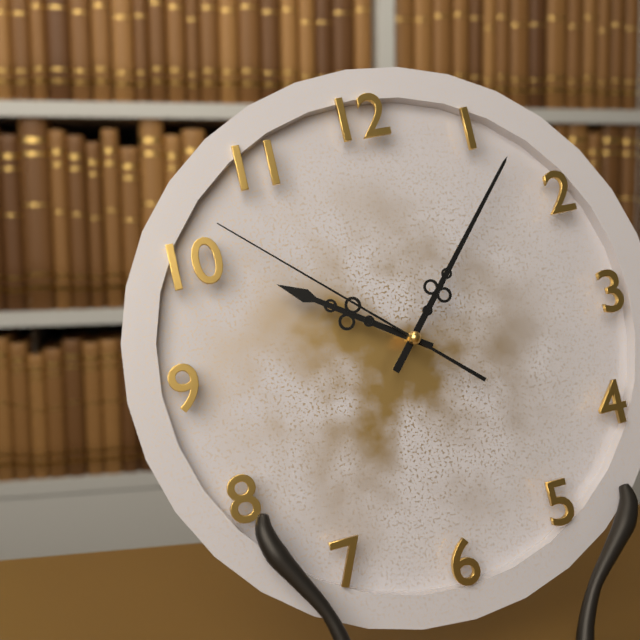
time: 10:07:52
